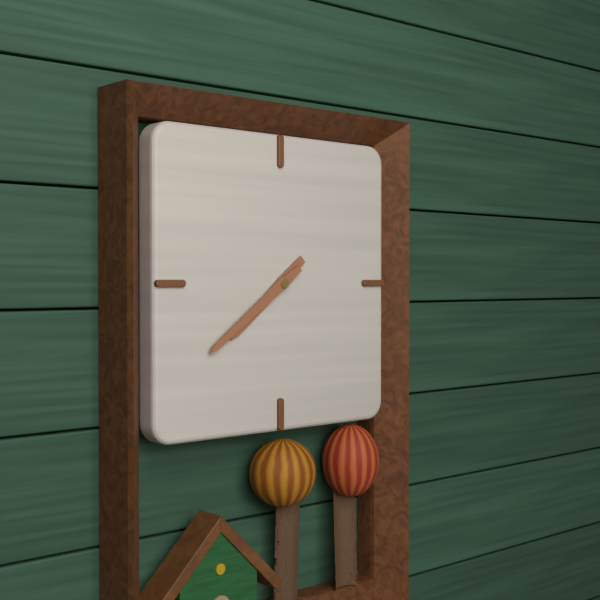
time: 7:39
